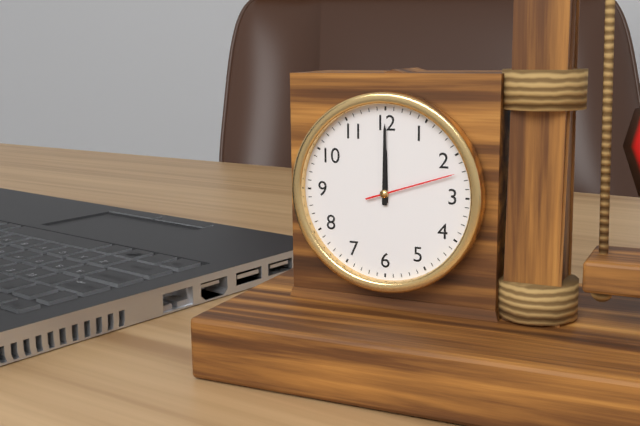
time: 12:00:12
